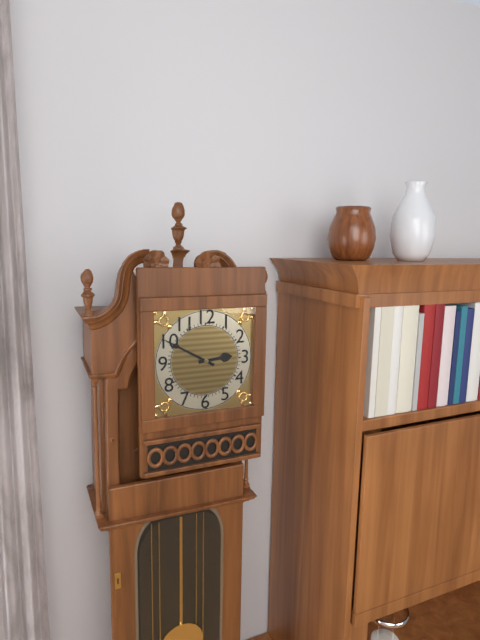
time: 2:50
